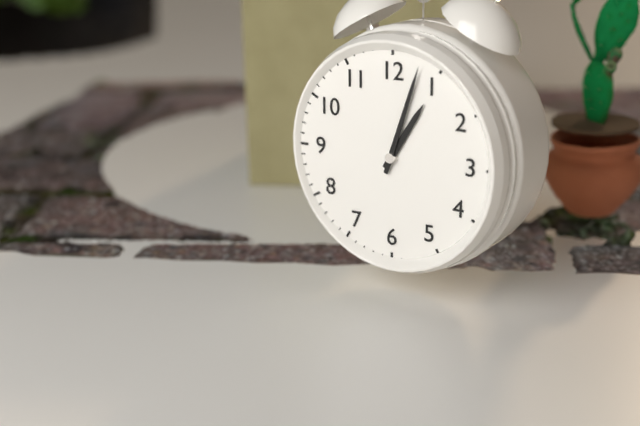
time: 1:03
